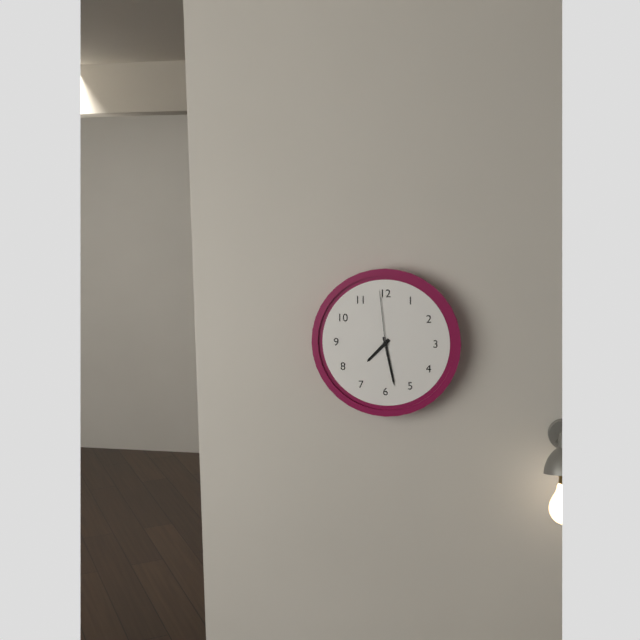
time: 7:28:59
